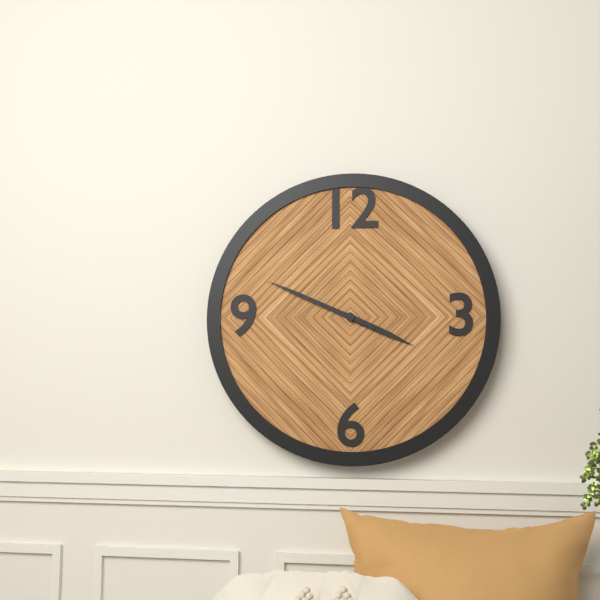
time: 3:49
